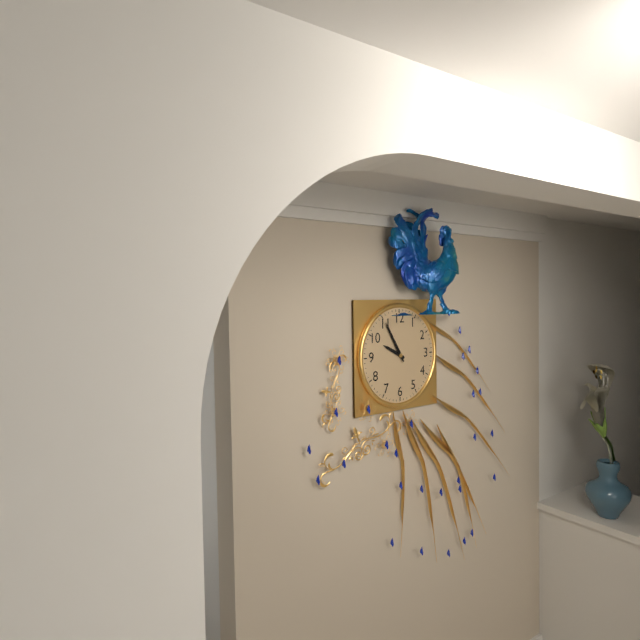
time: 9:55
